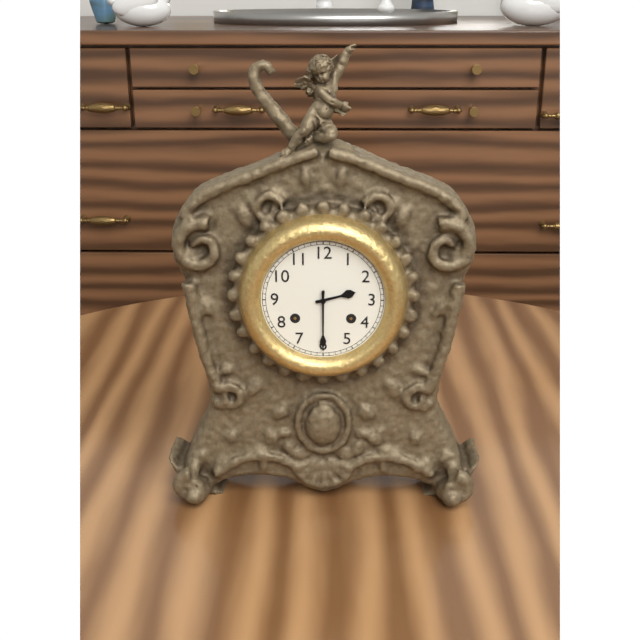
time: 2:30
